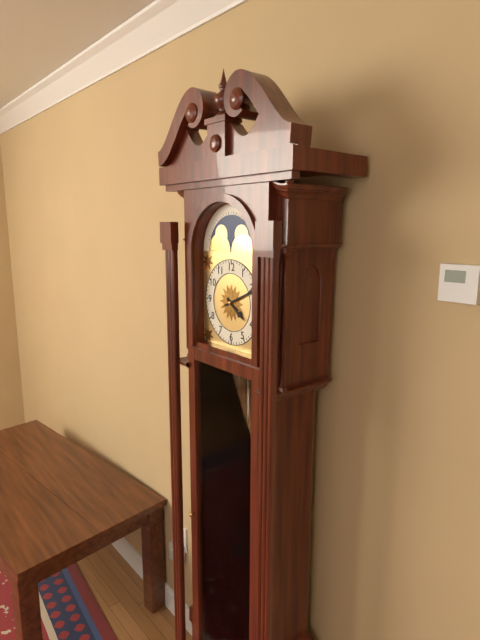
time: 4:11
